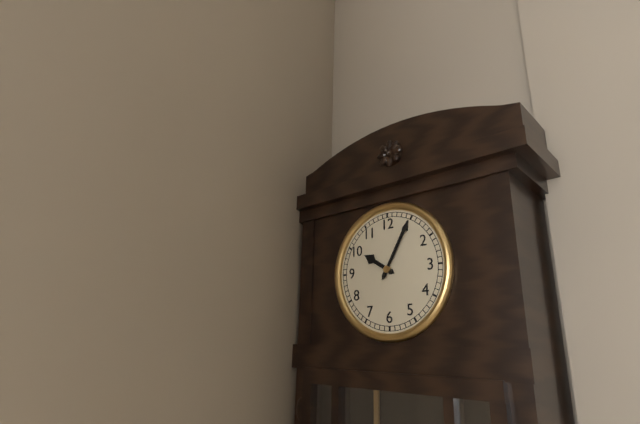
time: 10:05
